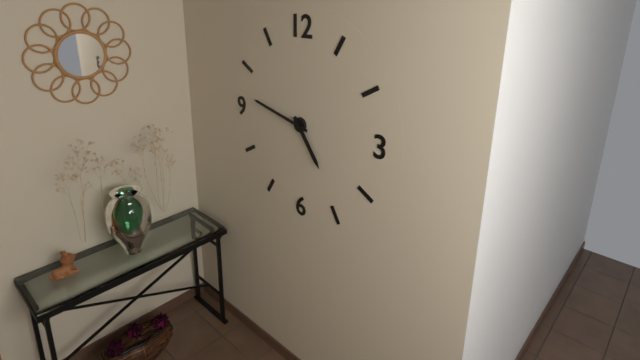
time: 4:47
